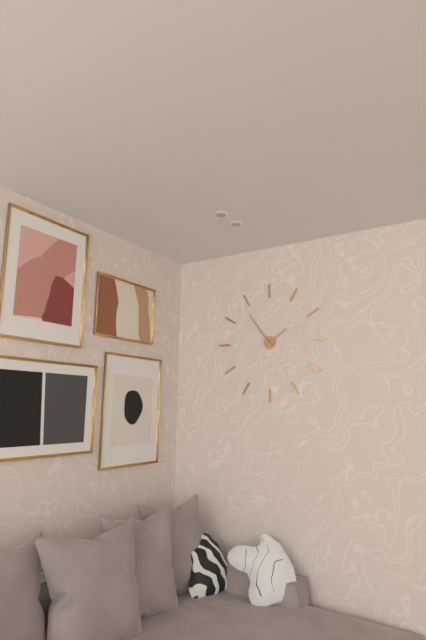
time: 1:54
